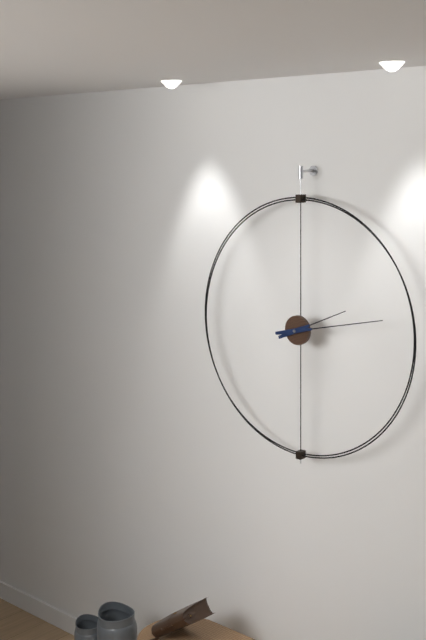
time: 2:13
